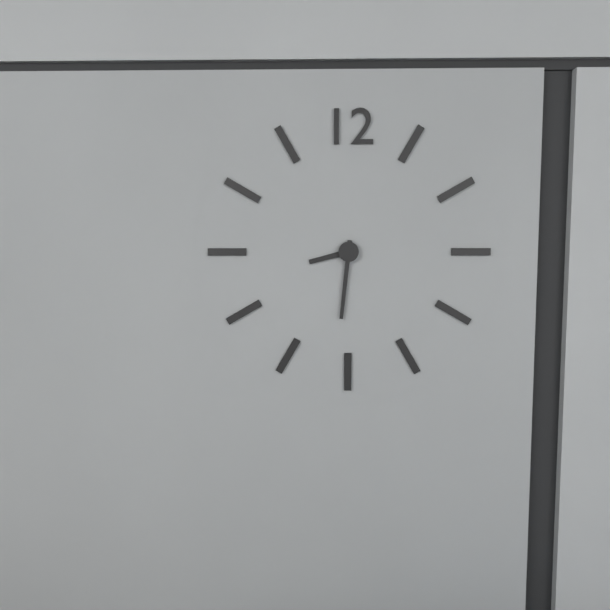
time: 8:31
